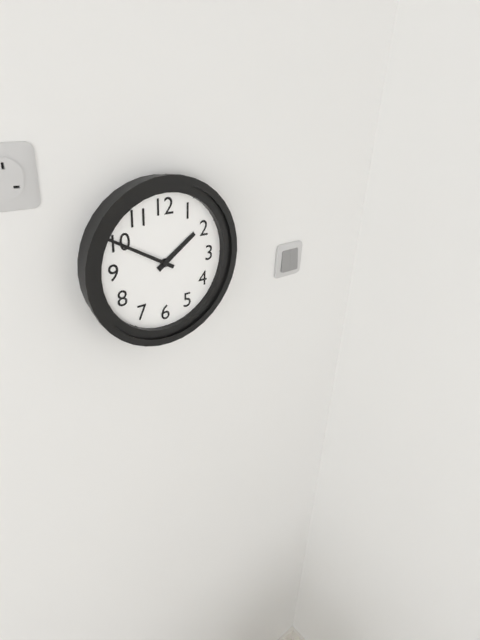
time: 1:50
